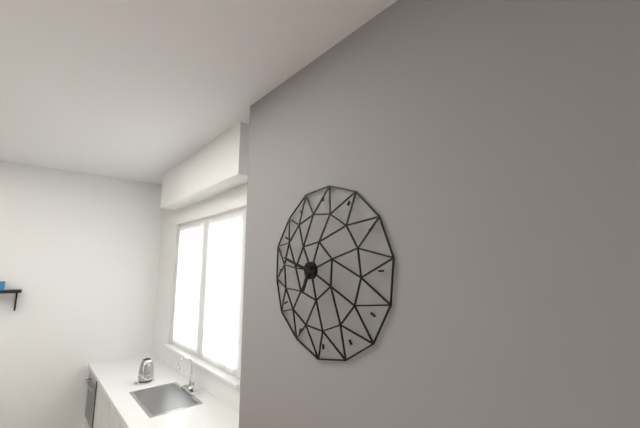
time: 6:48
